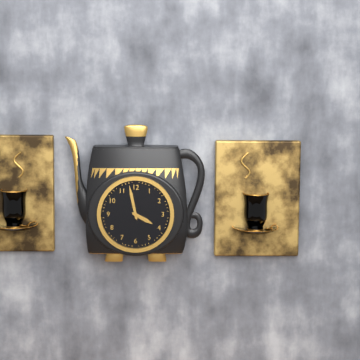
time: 3:58
